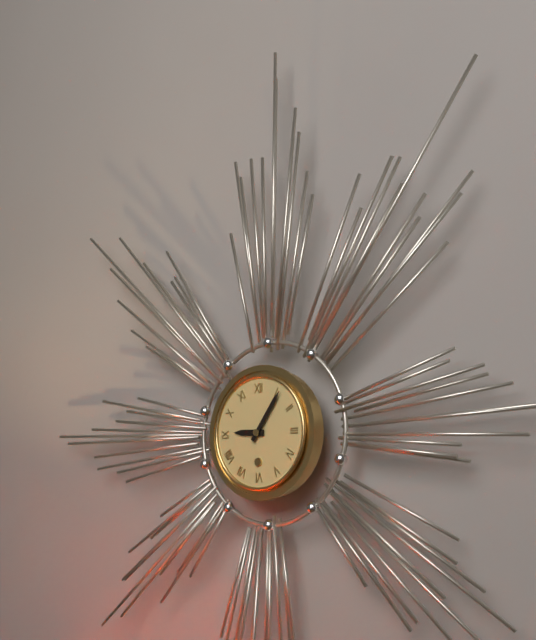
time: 9:06
